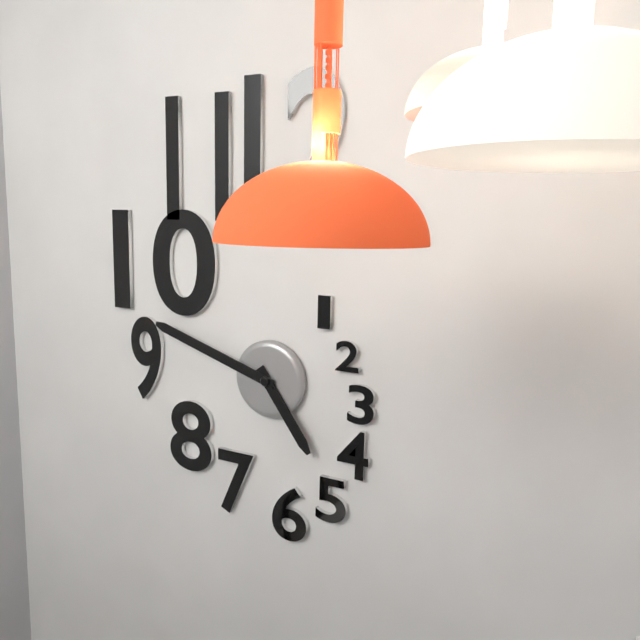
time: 4:48
